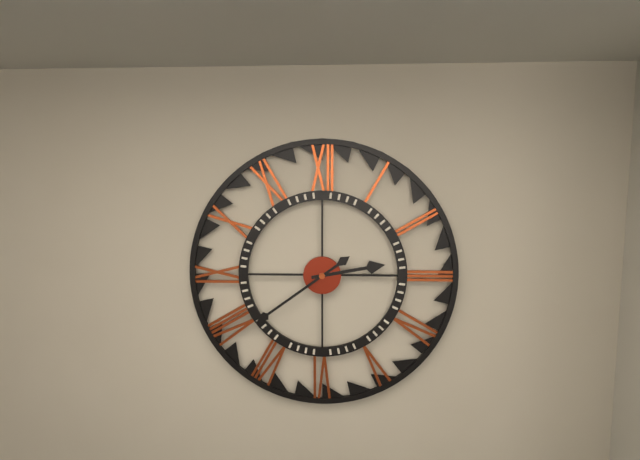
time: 2:39
